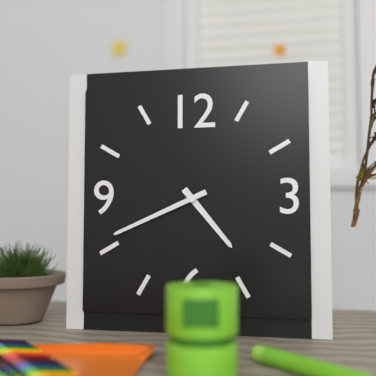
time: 4:41
